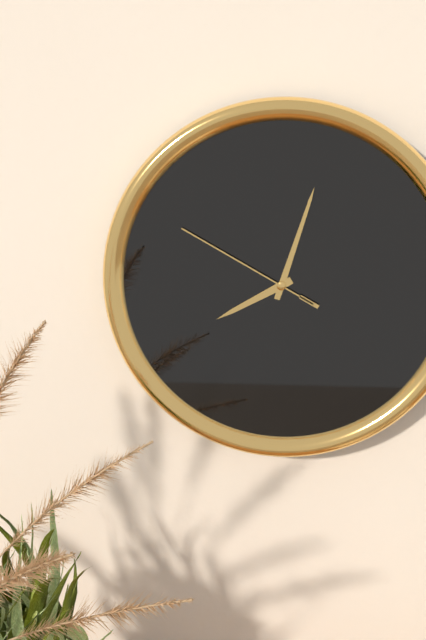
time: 8:03:50
